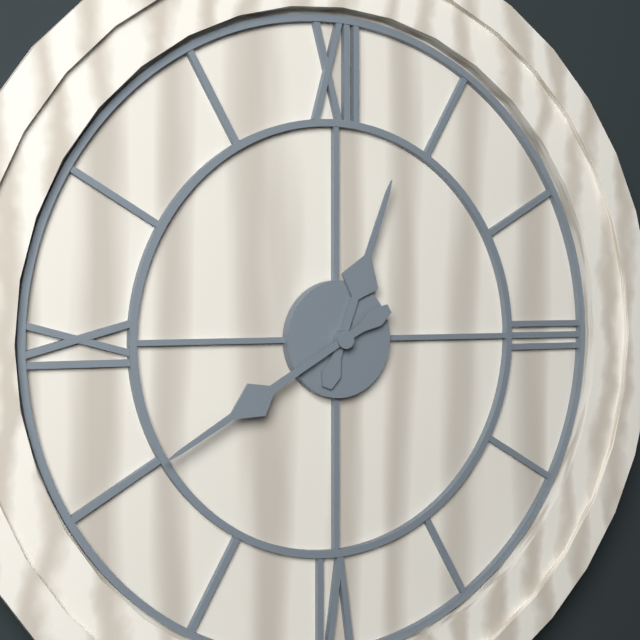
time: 12:40
